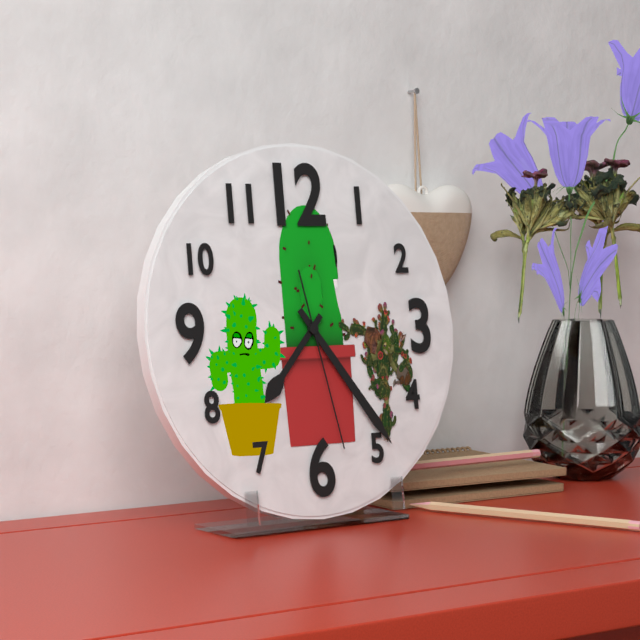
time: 7:24:28
